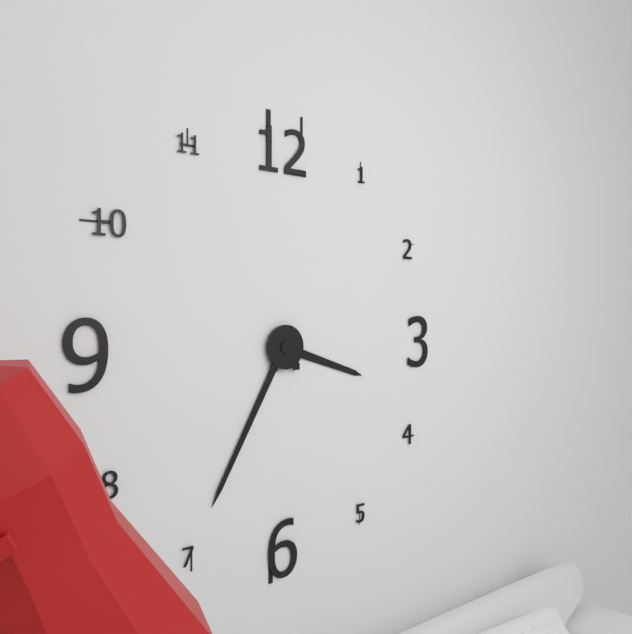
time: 3:35
